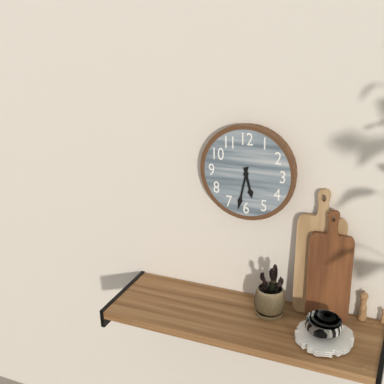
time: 5:32
